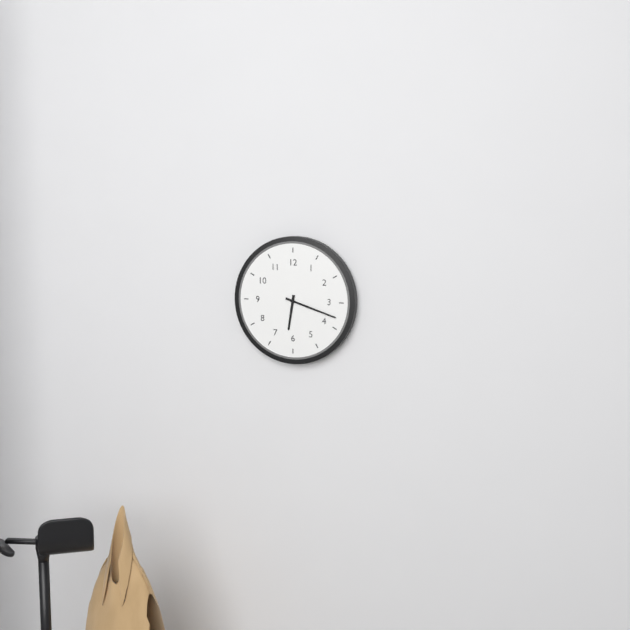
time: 6:18
